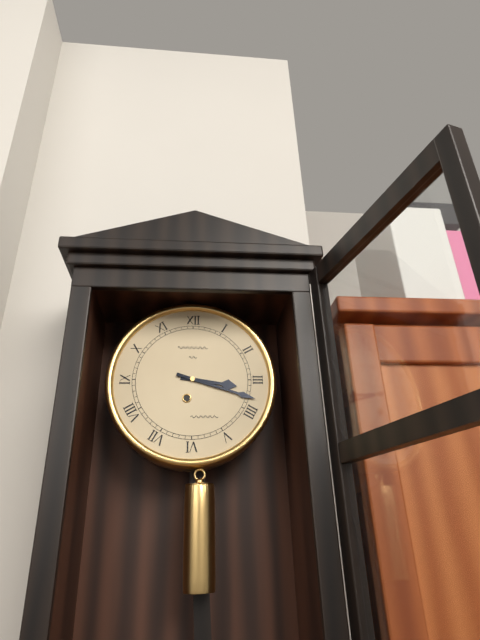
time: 3:18
